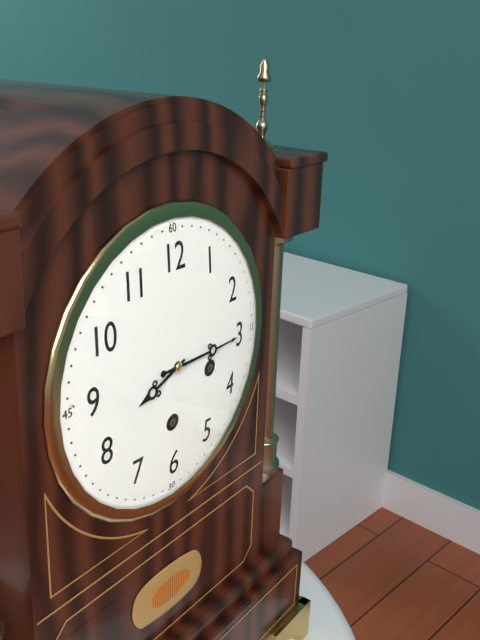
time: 8:15
